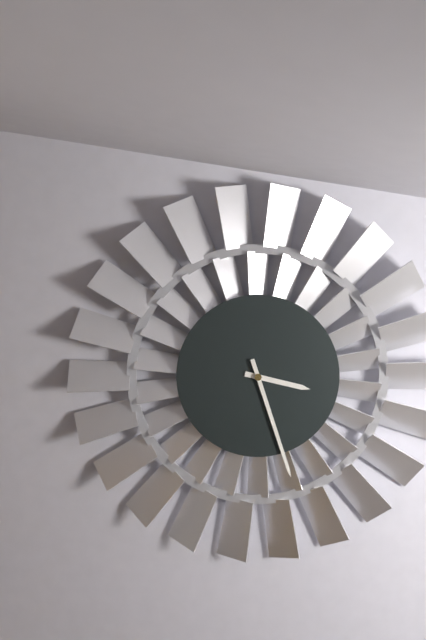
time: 3:27
